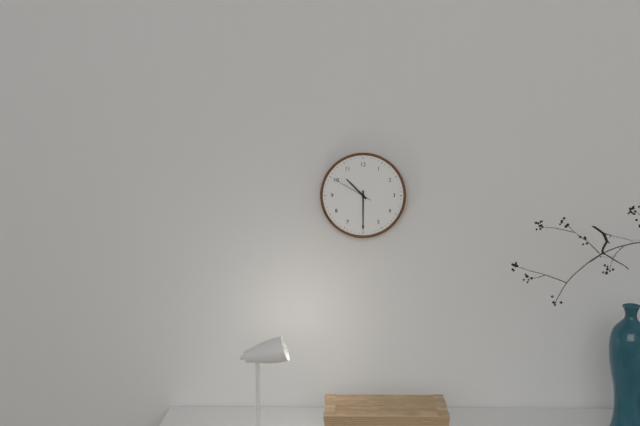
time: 10:30
